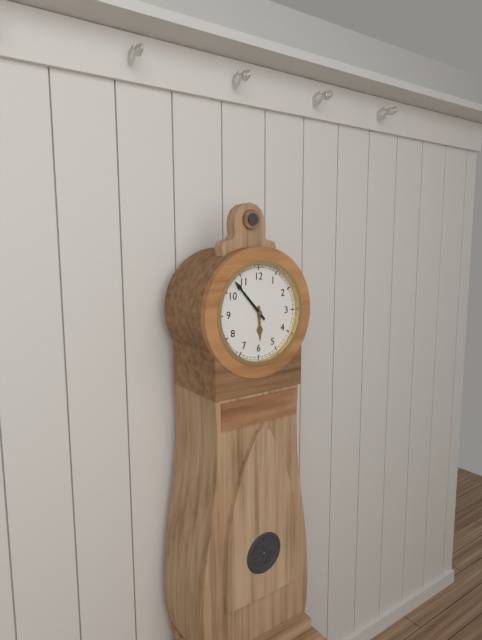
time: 5:53
